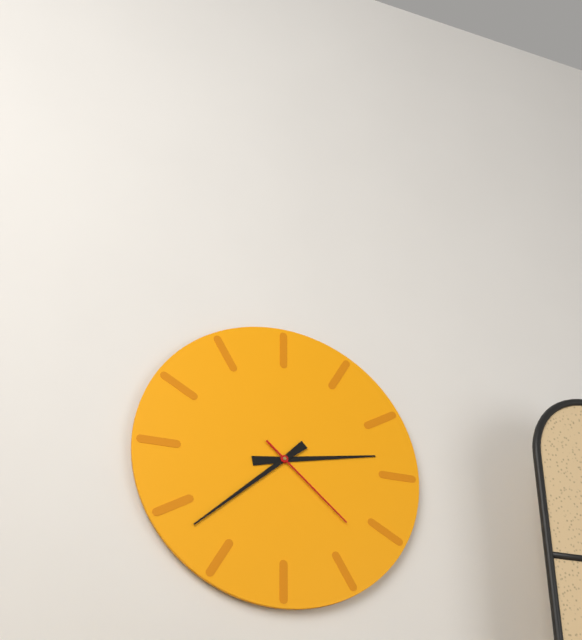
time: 2:38:22
